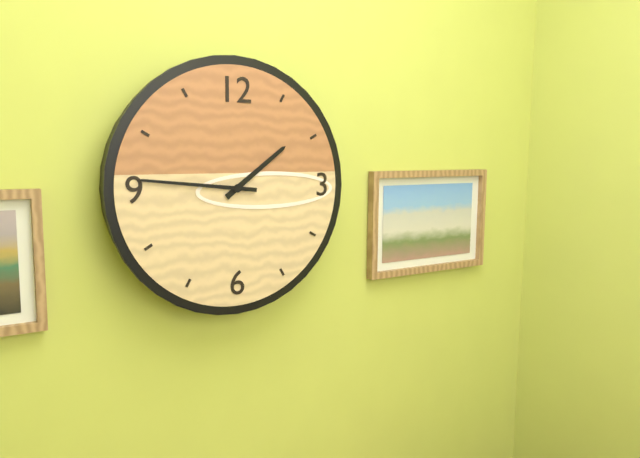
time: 1:46
